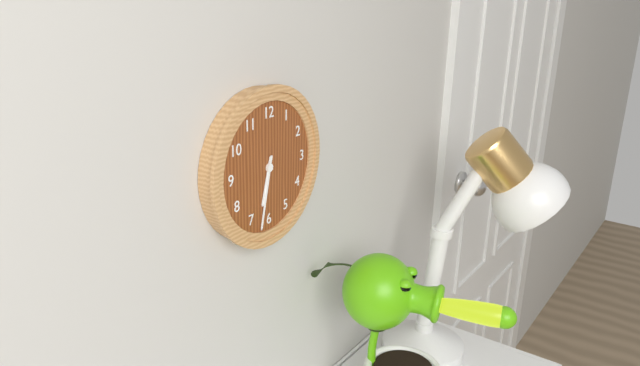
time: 6:32
